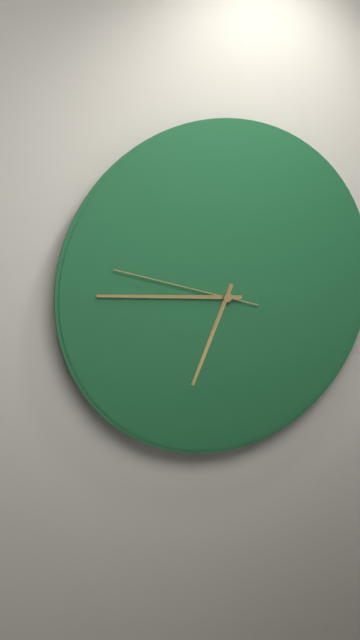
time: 6:46:48
